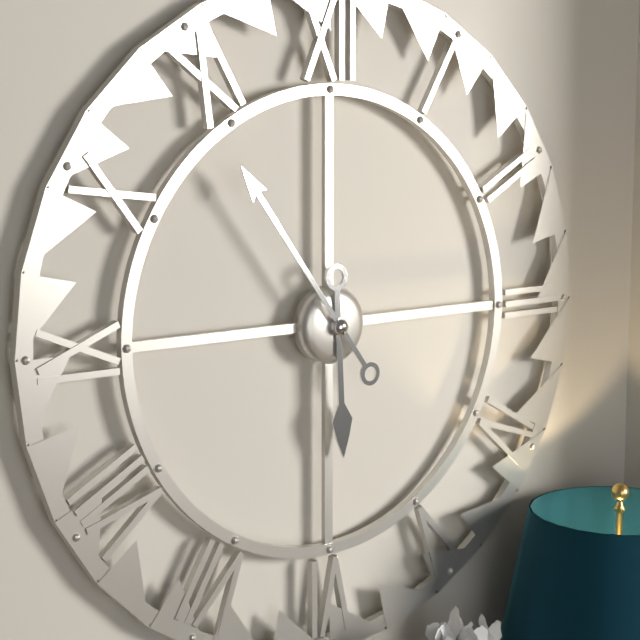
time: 5:54
